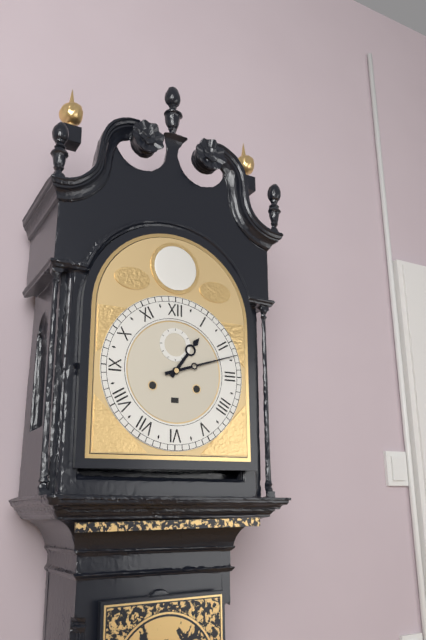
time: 1:12
